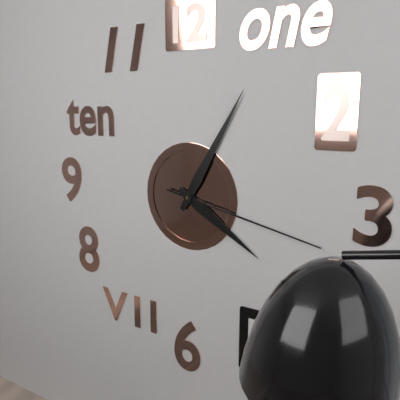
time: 4:05:17
